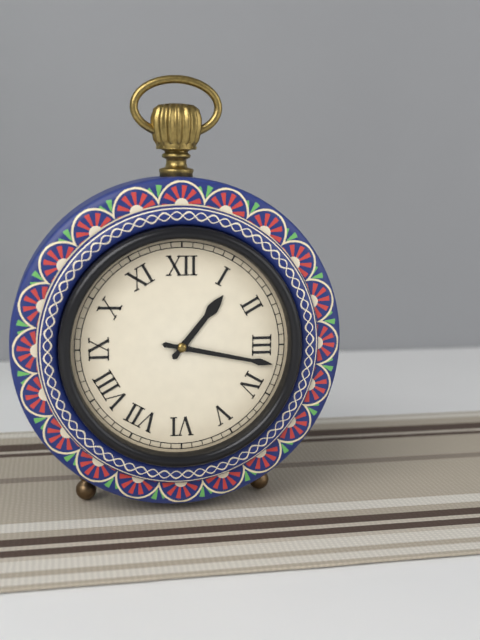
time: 1:17
